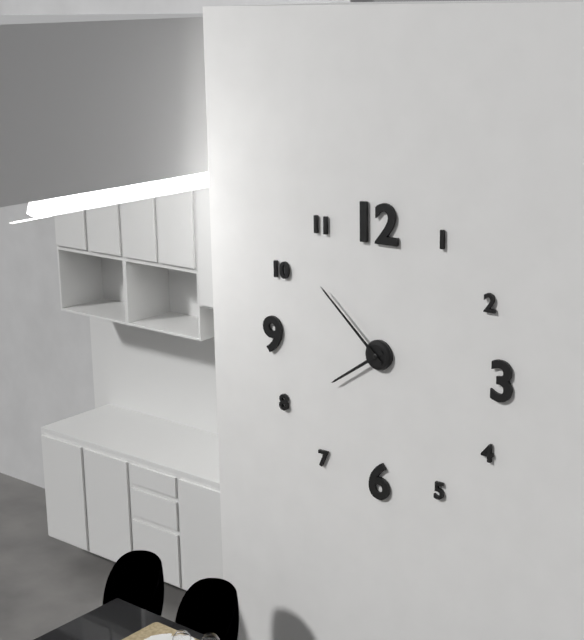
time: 7:52
